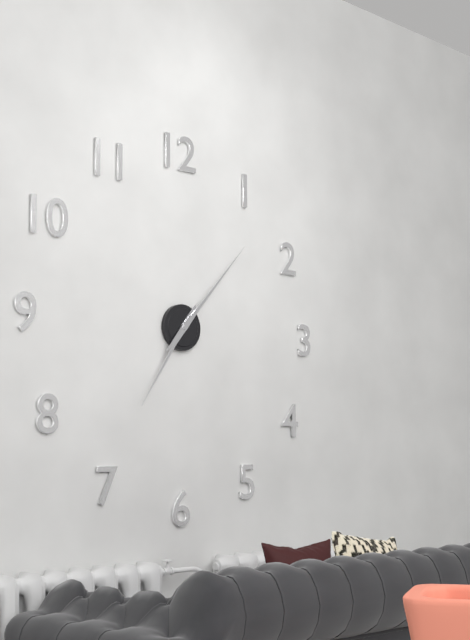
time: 7:07
